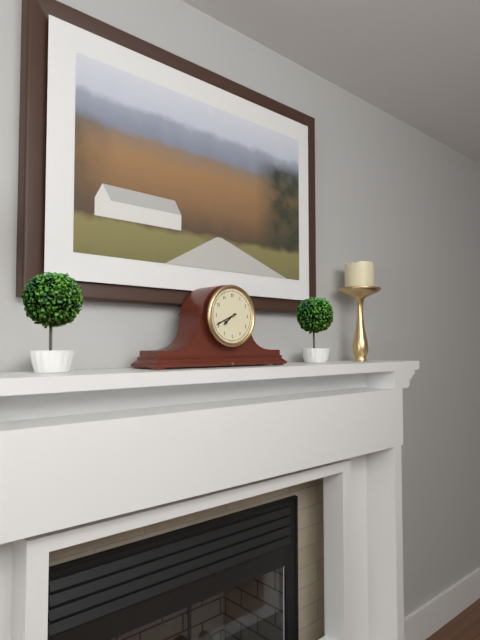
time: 7:41
